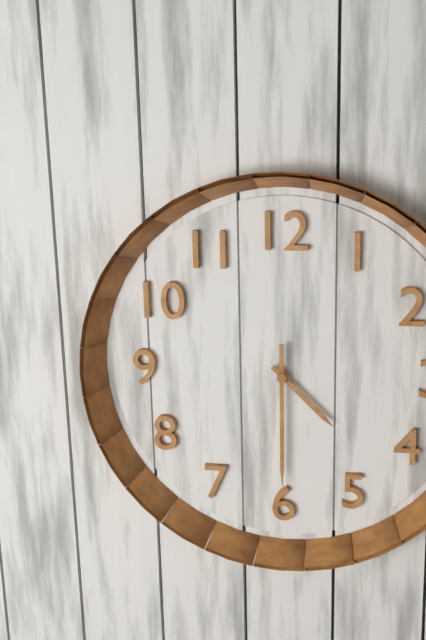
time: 4:30
